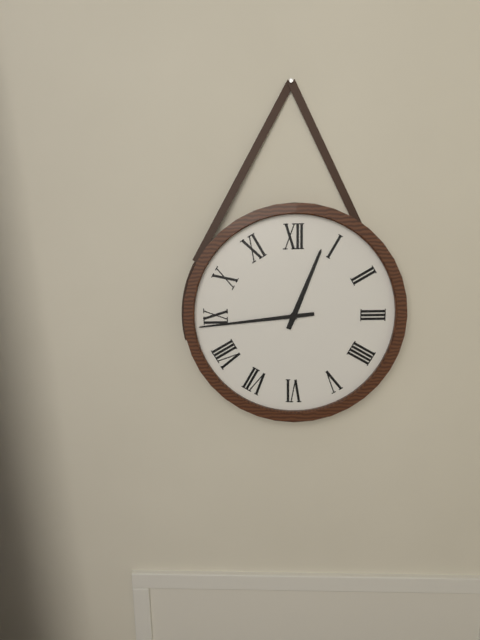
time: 12:44
